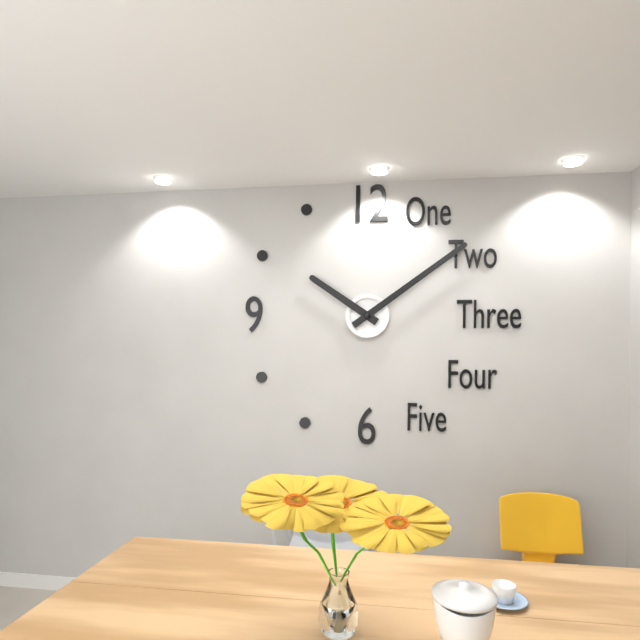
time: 10:09
